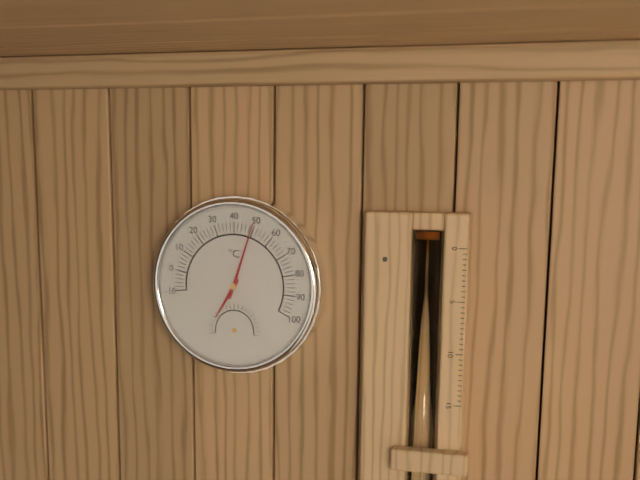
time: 7:03
